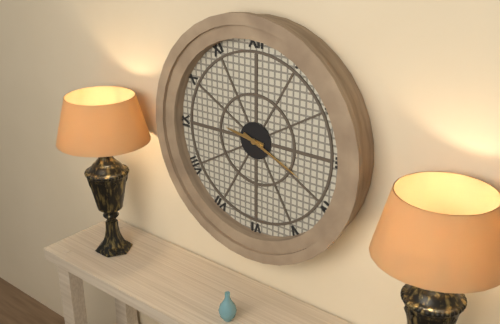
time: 9:19
